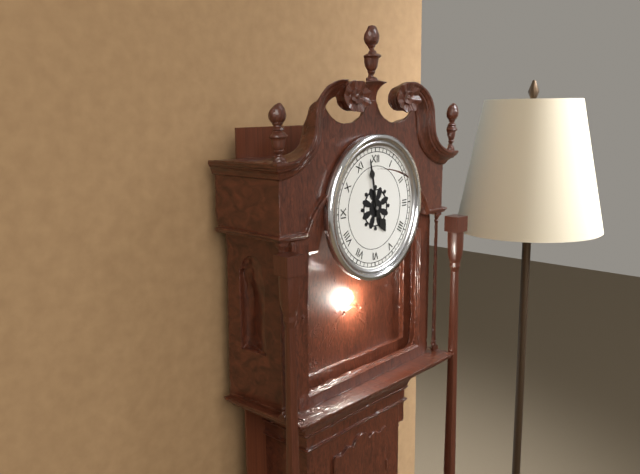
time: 4:58
